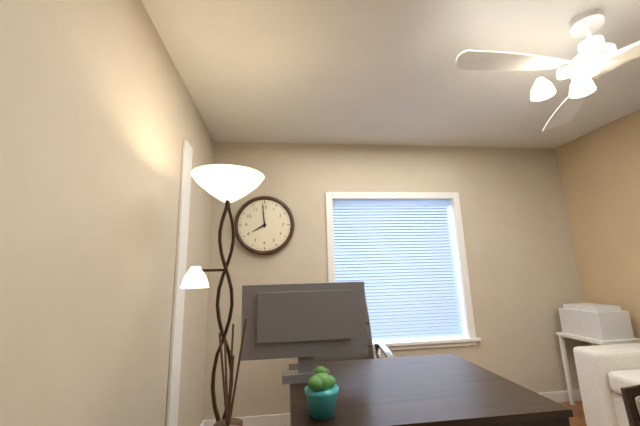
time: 7:59
